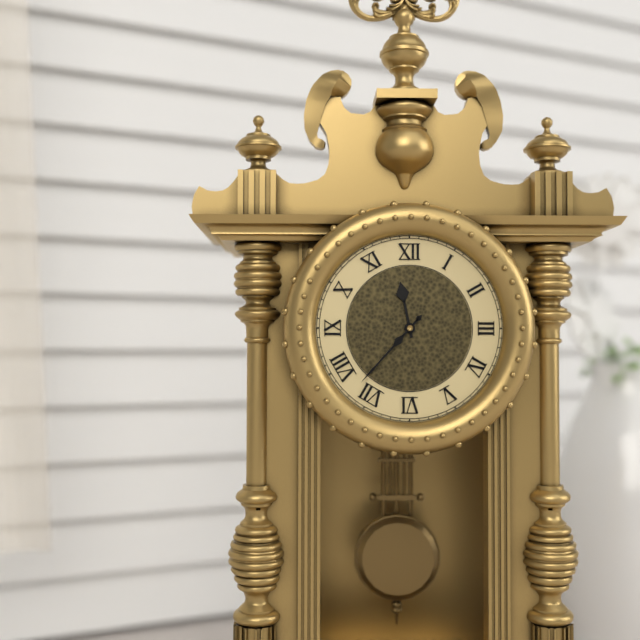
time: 11:37
